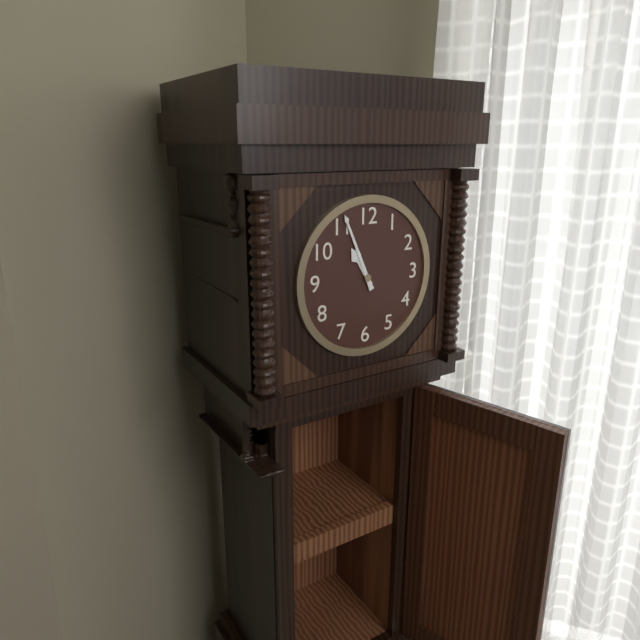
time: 10:56
